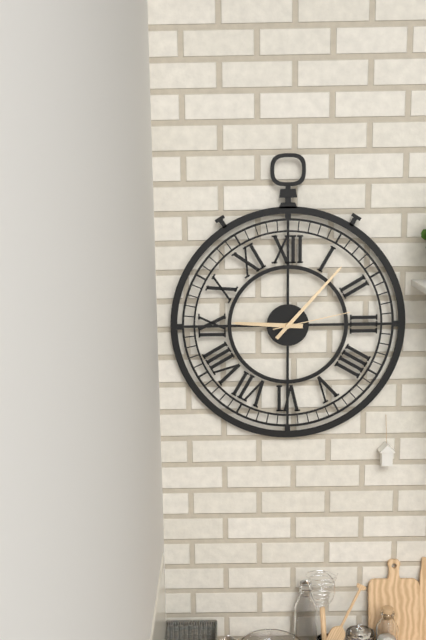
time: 9:07:13
